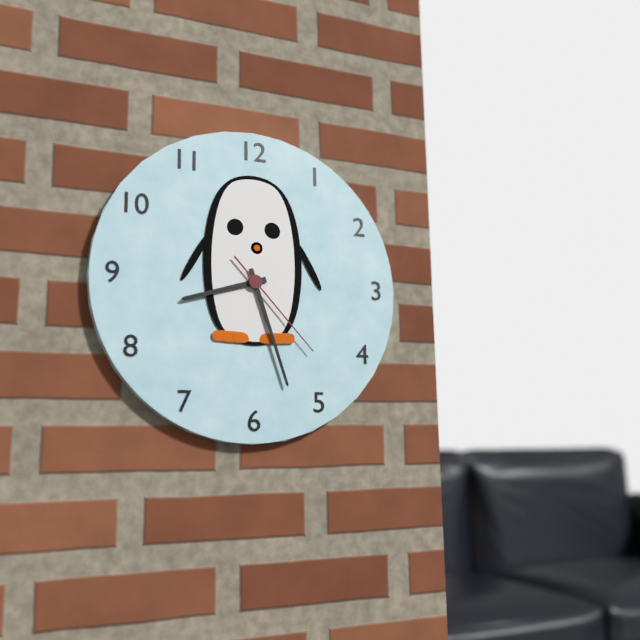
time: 8:27:23
